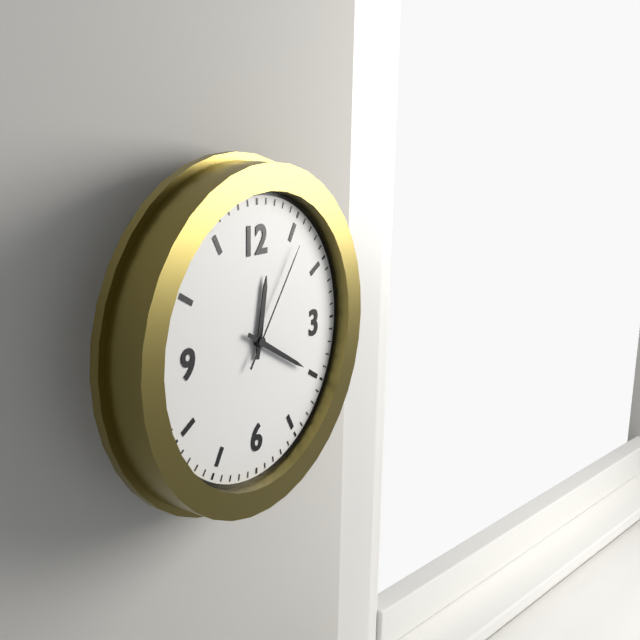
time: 12:20:06
